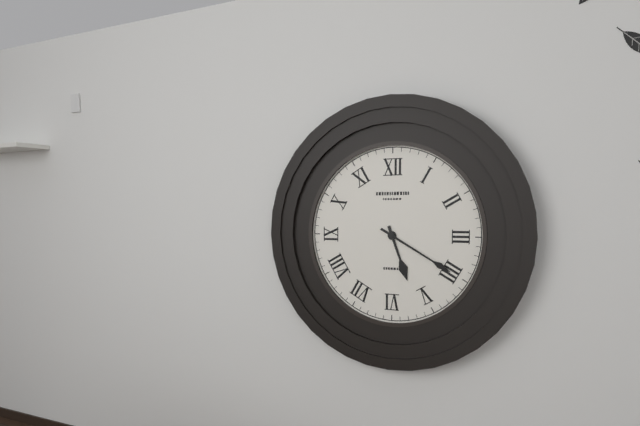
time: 5:20
